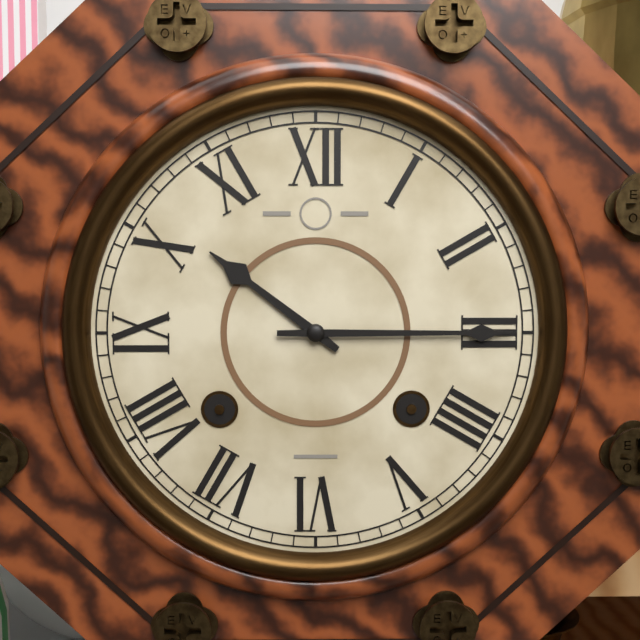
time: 10:15
